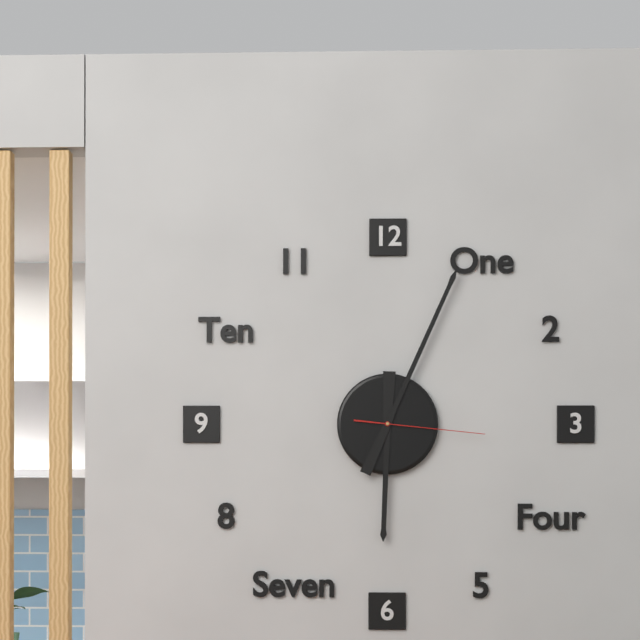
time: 6:04:16
